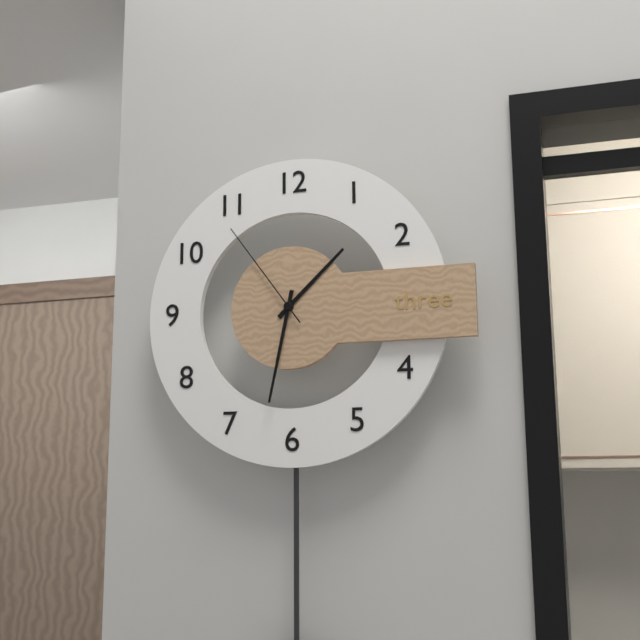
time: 1:32:54
